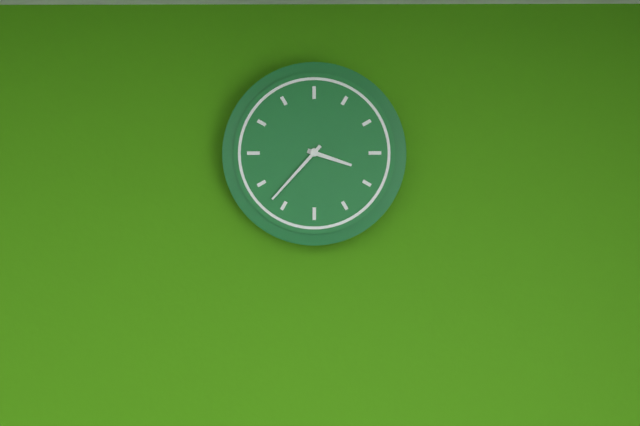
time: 3:37
